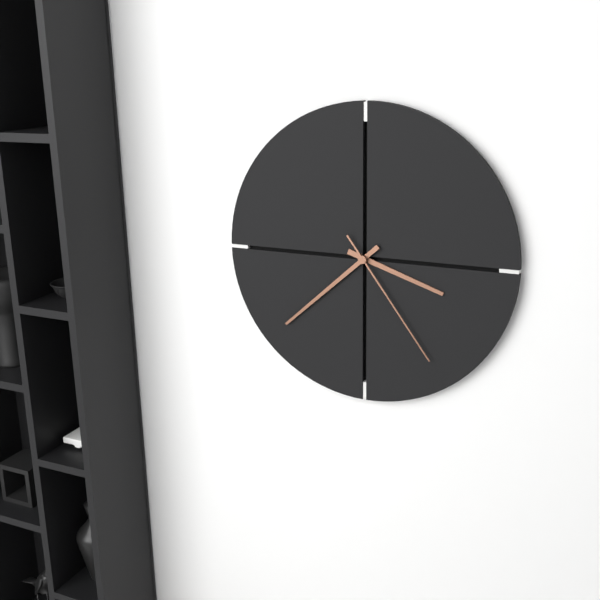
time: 3:38:24
